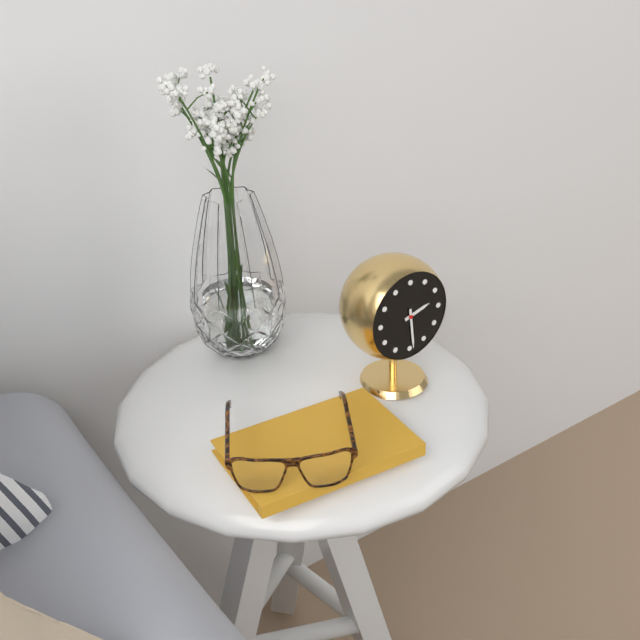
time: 2:29
